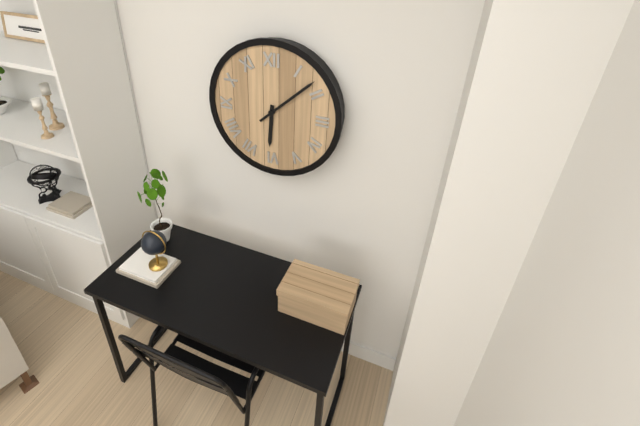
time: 6:08
